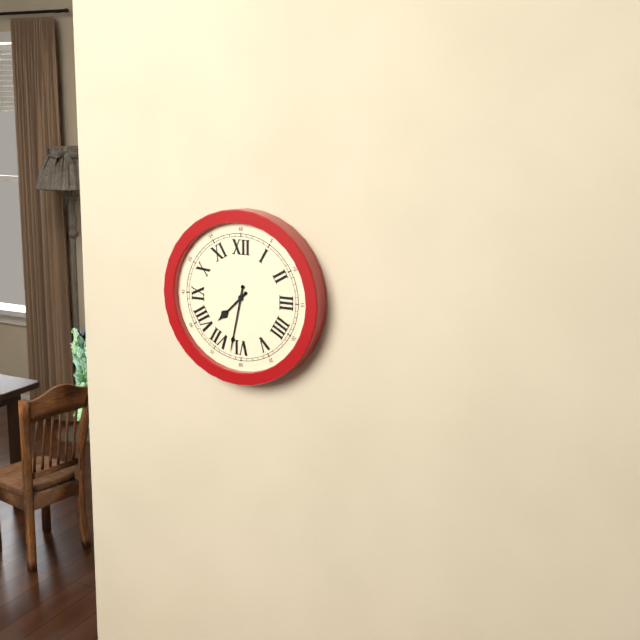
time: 7:32
